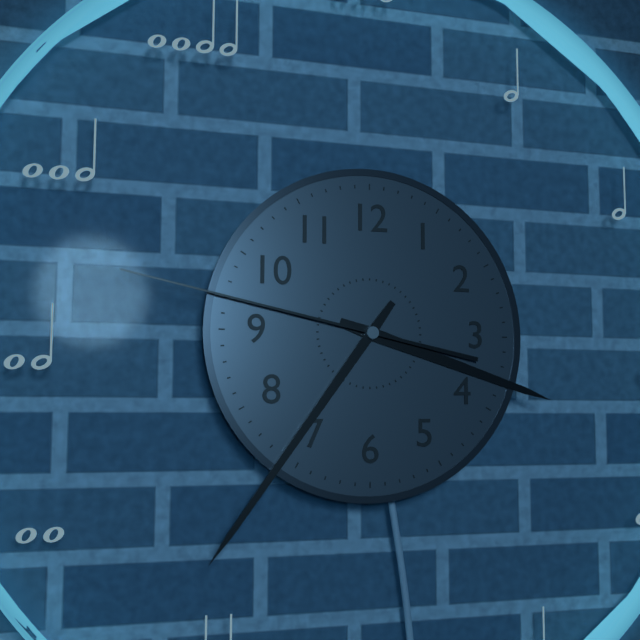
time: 3:36:47
